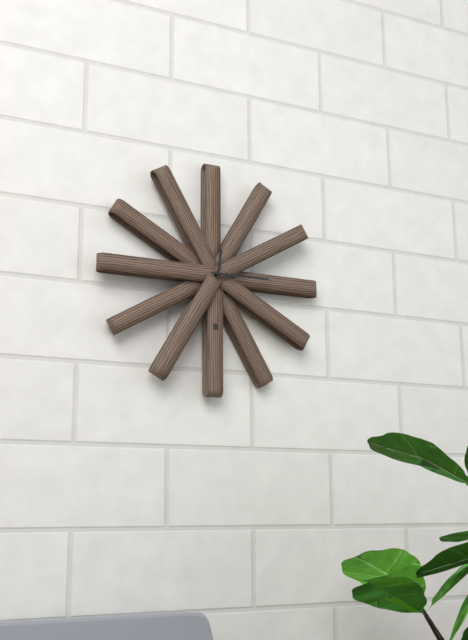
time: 12:15
